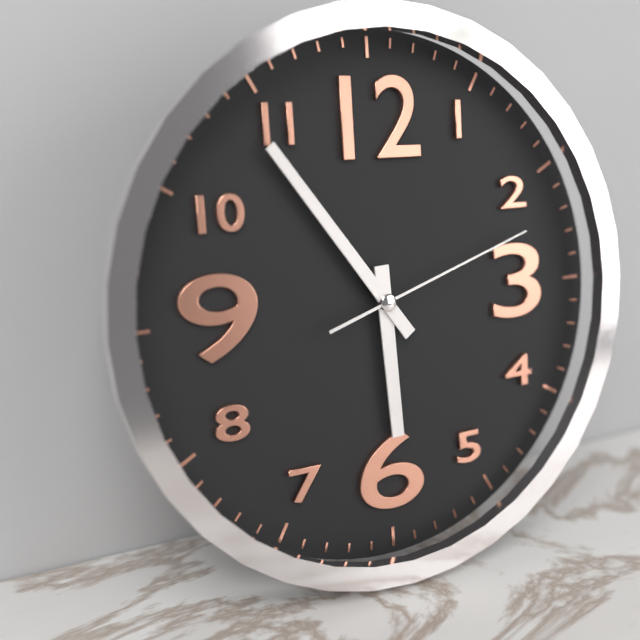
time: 5:54:12
